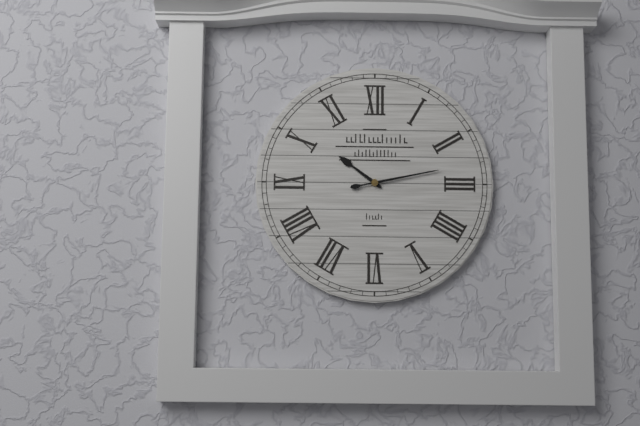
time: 10:13
